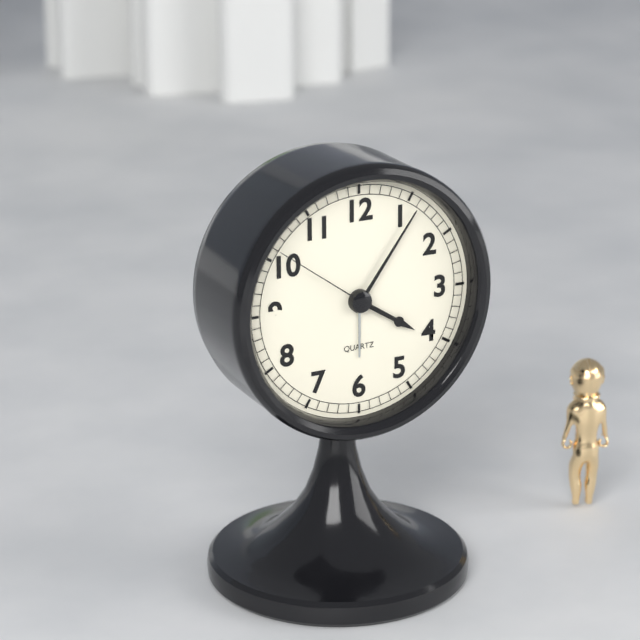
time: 4:06:51
